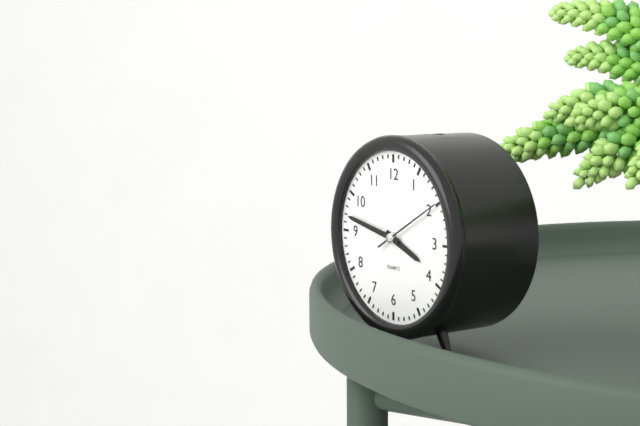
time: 3:47:10
